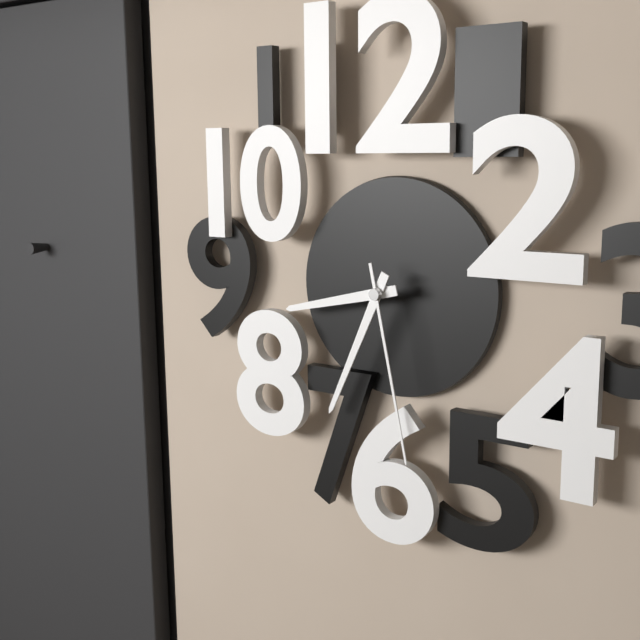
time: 8:34:28
